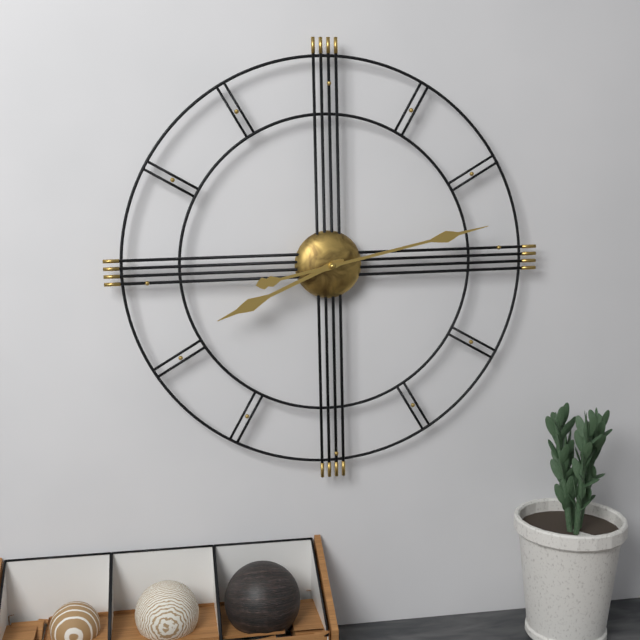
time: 8:13
